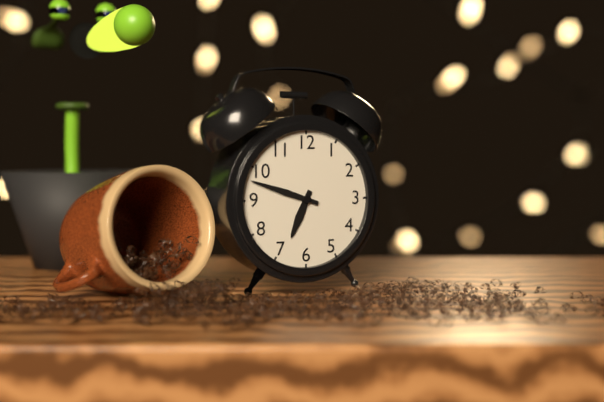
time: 6:48
